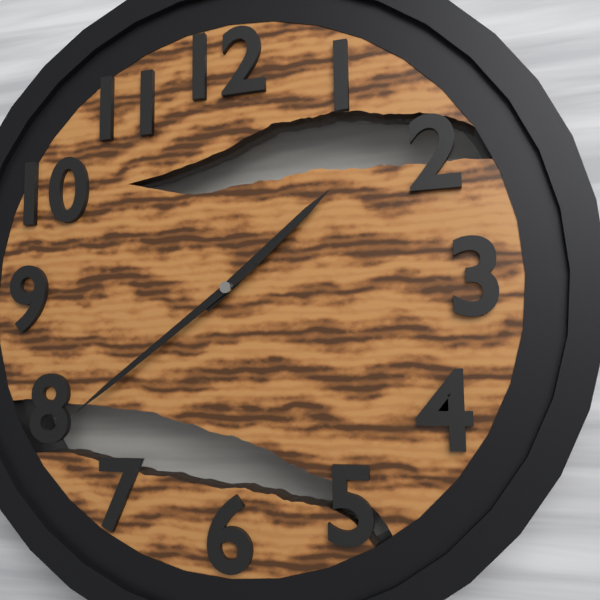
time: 1:39
